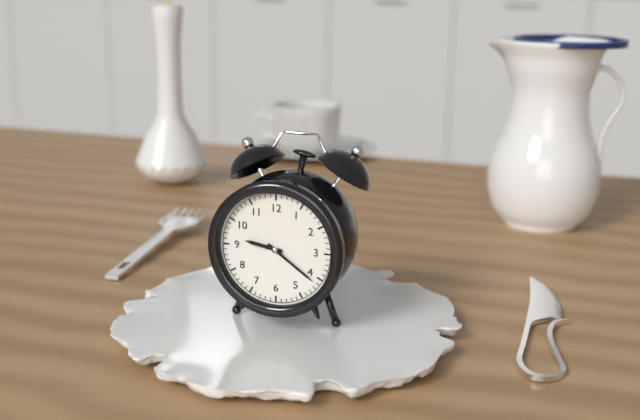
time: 9:21
